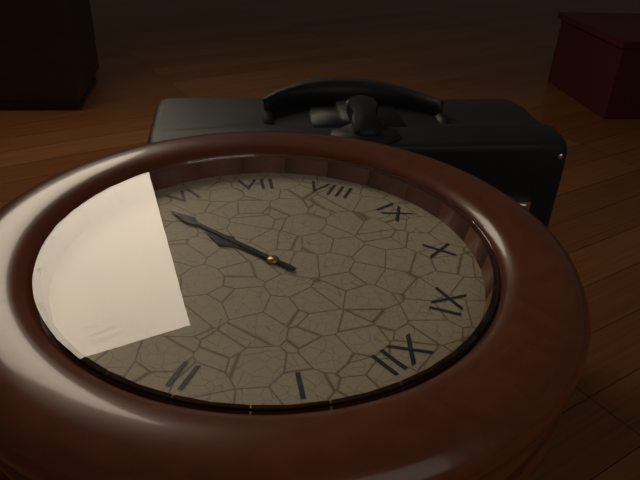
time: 5:28
